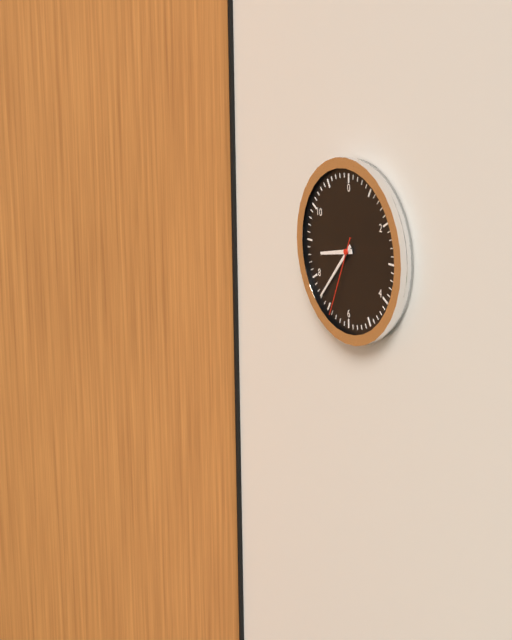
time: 8:37:34
